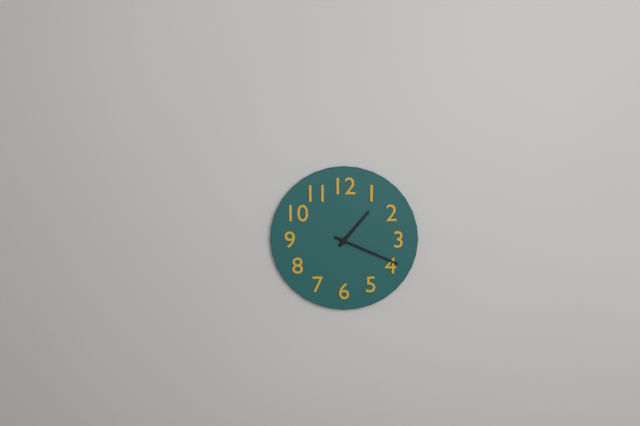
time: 1:19
